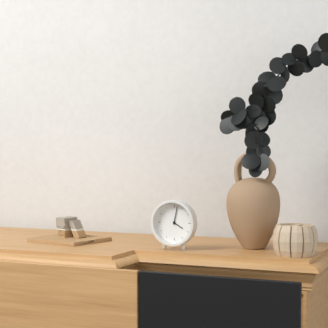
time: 4:02
